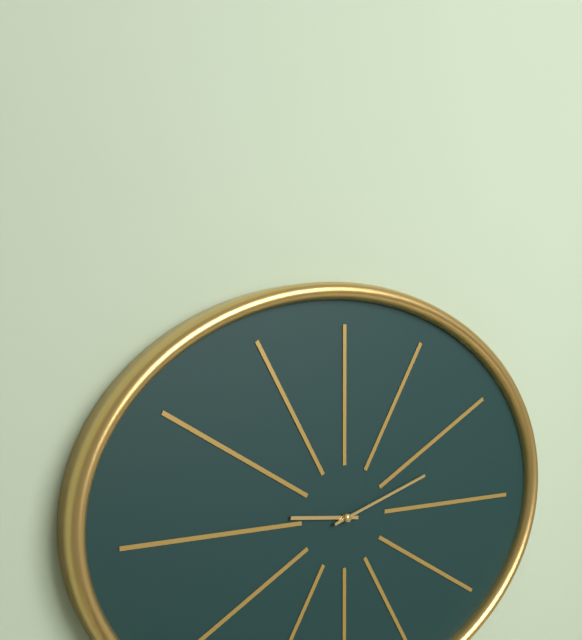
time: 9:12
